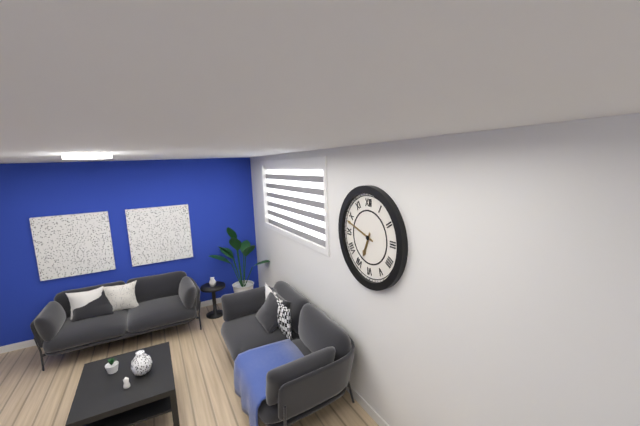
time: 6:48
